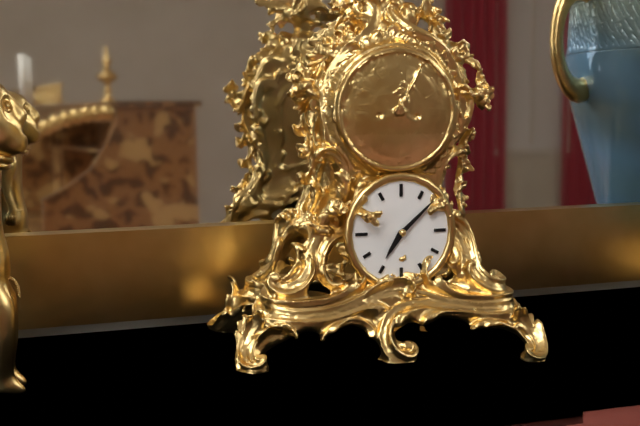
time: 7:08
